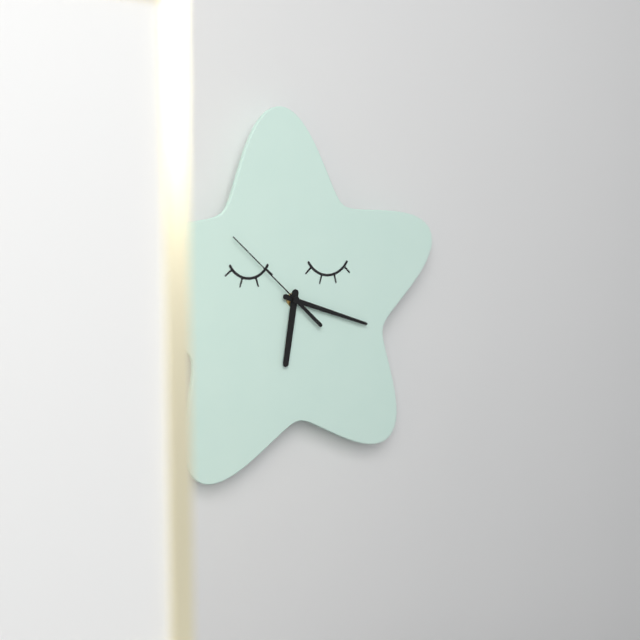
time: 6:18:52
